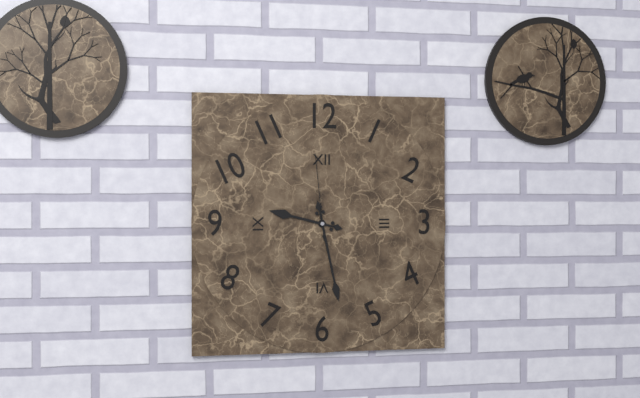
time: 9:28:59
